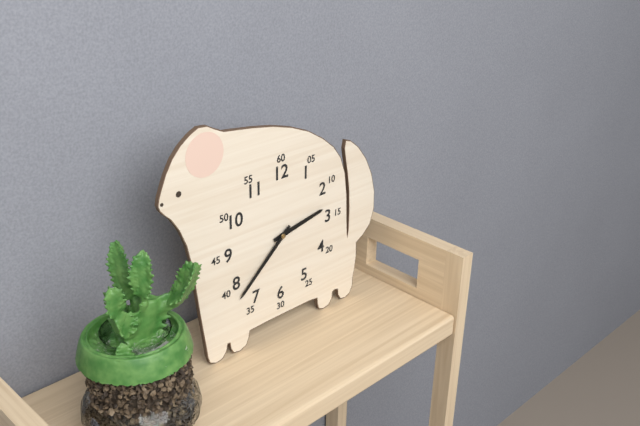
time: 2:38
